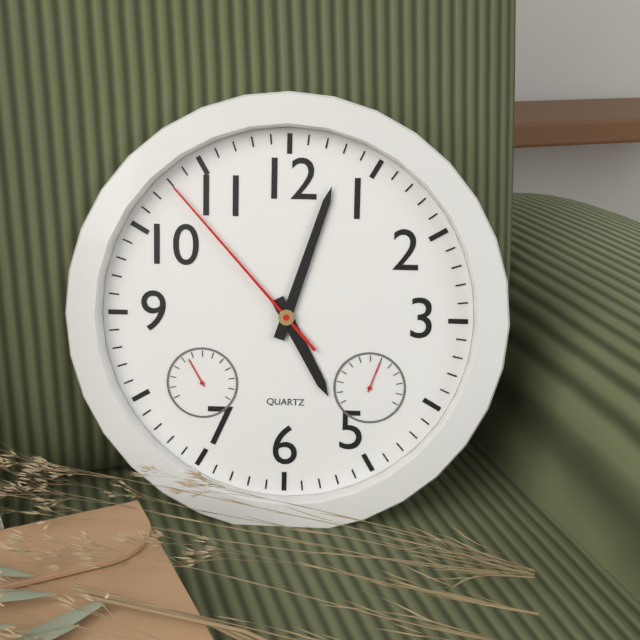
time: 5:03:53
